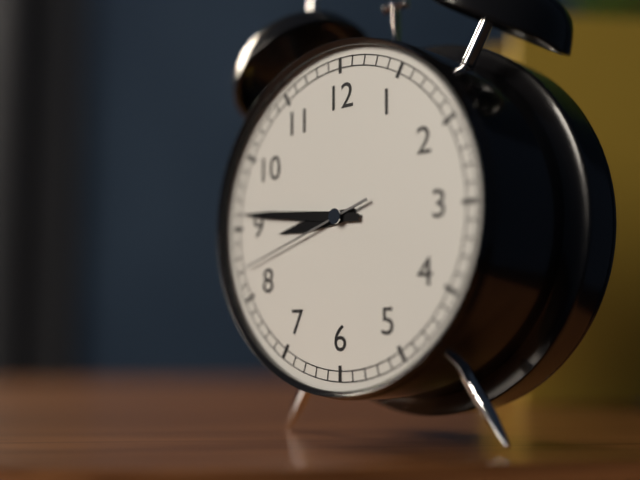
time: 8:46:42
